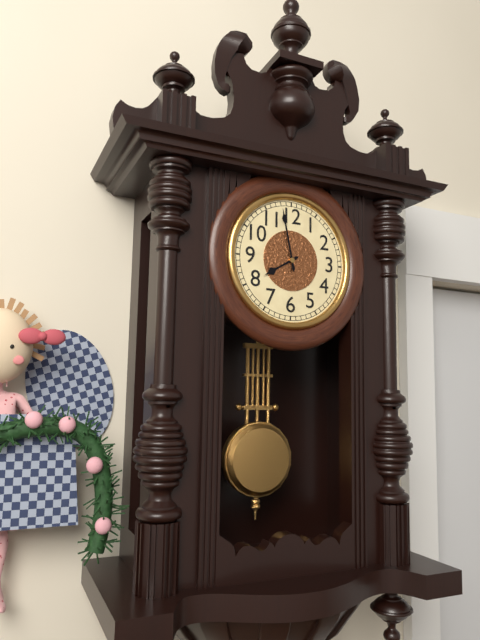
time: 7:58
